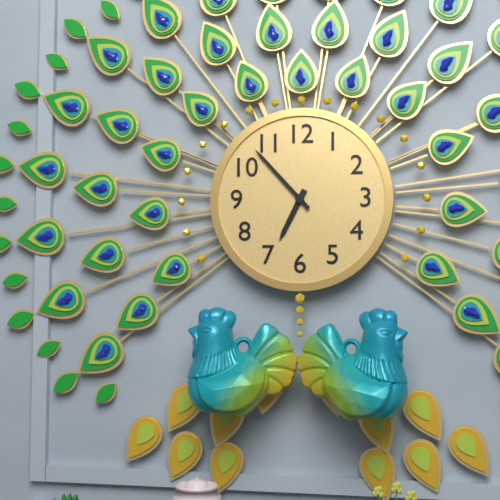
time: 6:53
